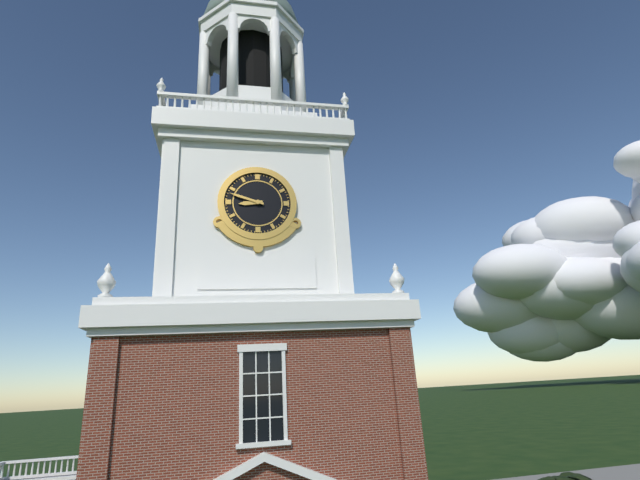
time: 8:48
